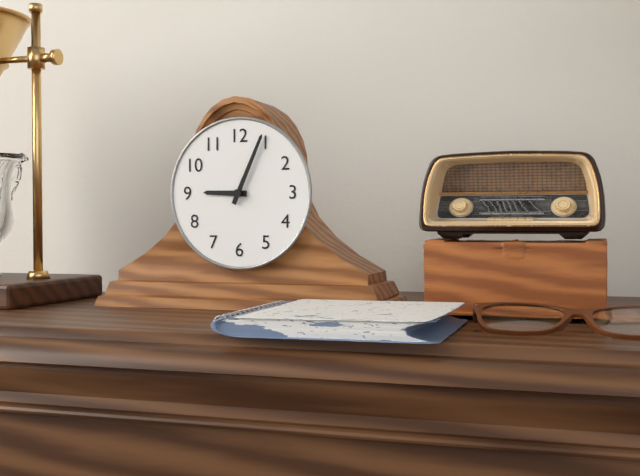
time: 9:04
